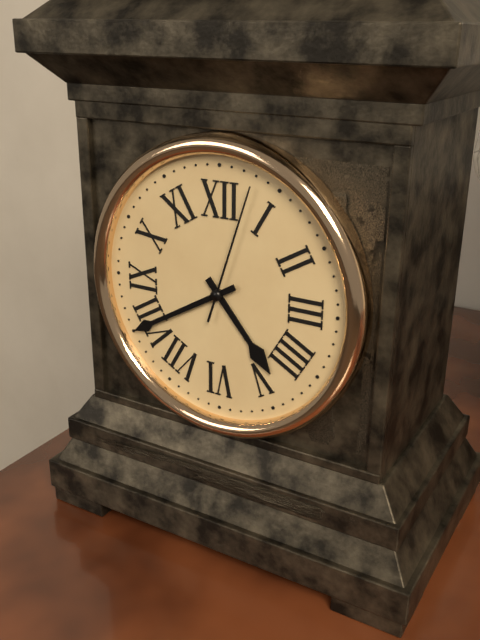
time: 4:40:03
